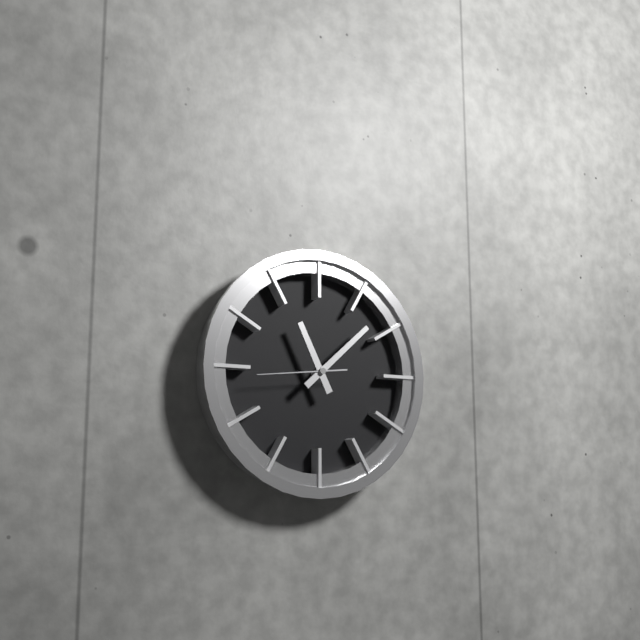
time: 11:08:44
